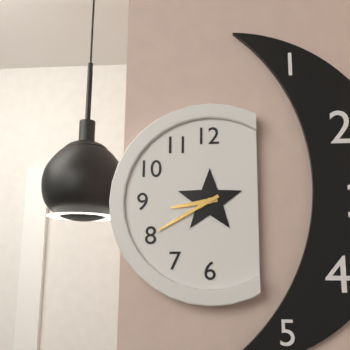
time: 8:40
